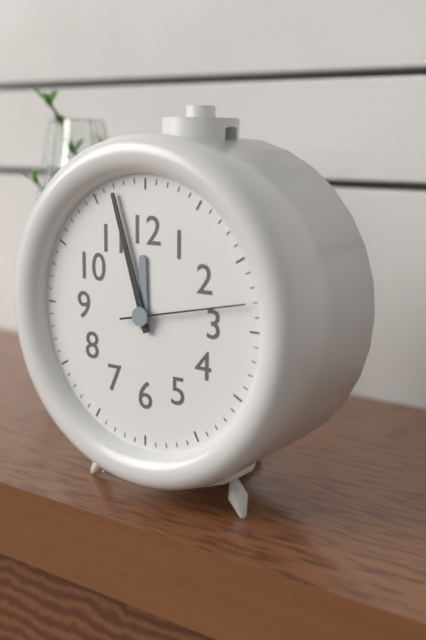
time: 11:57:13
